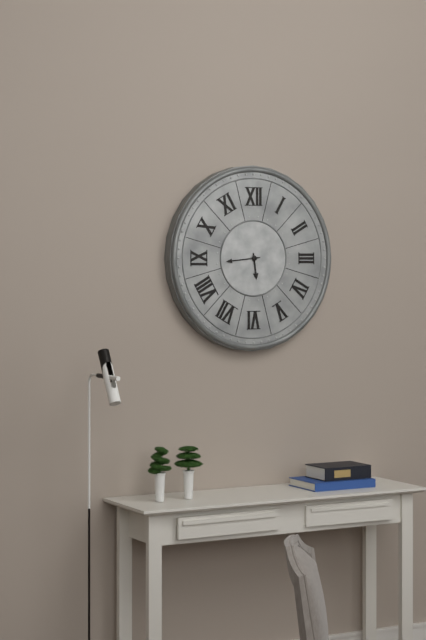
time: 5:44
